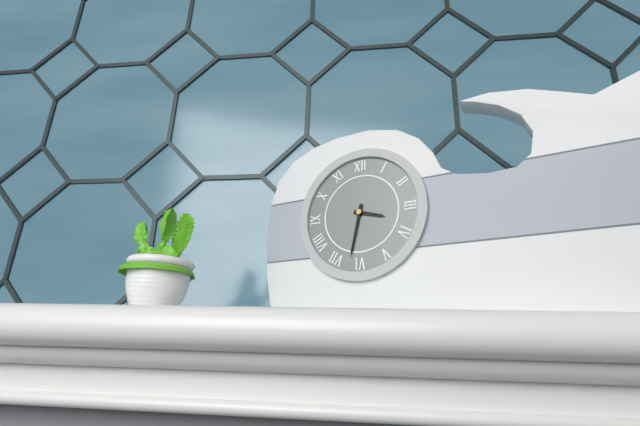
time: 3:32
